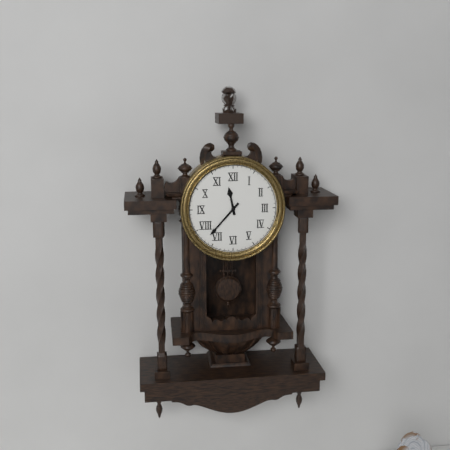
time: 11:37
